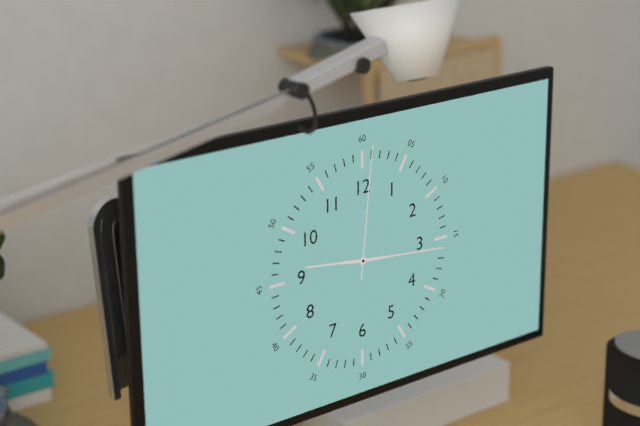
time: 9:16:01
